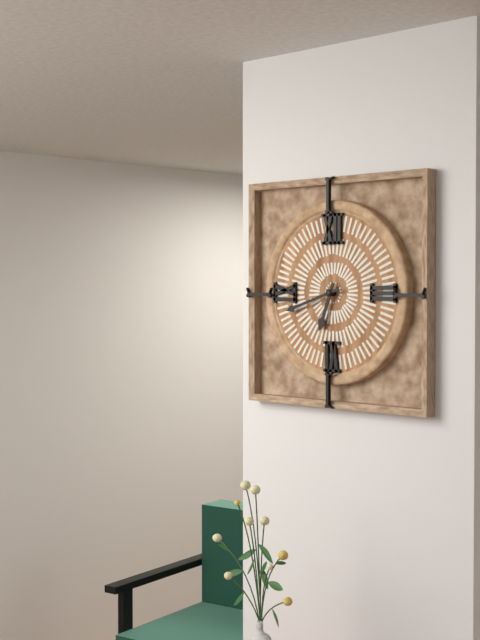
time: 6:42
